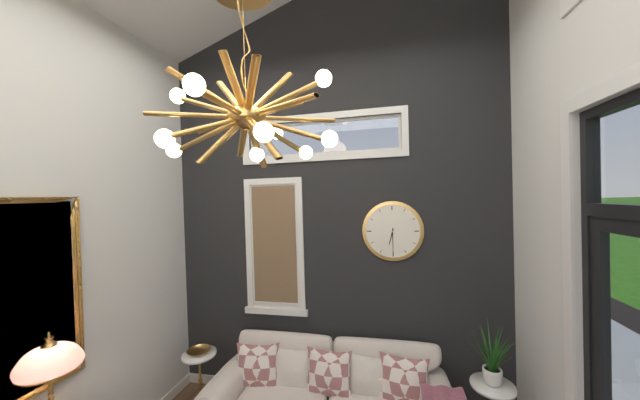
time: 6:30
